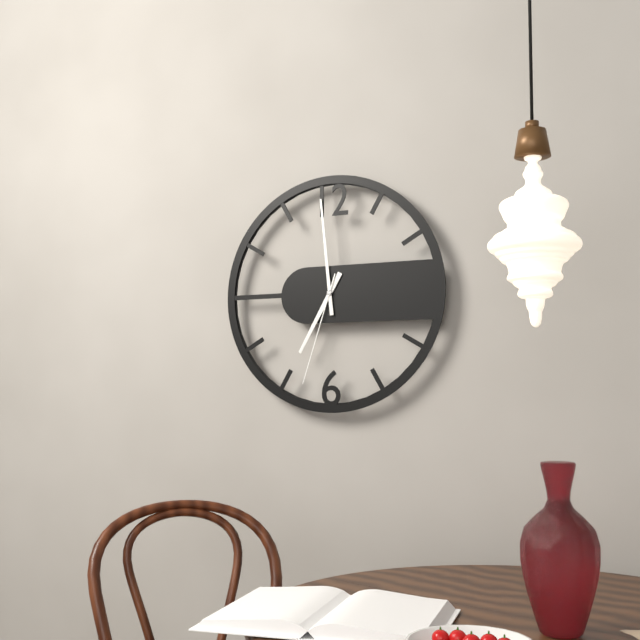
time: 6:59:33
